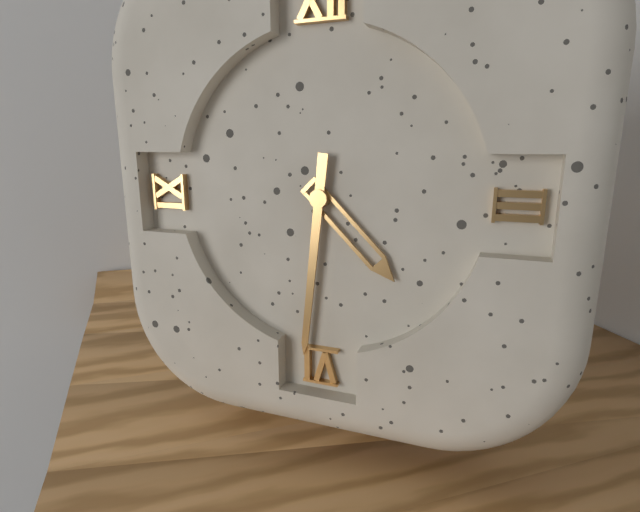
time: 4:31
